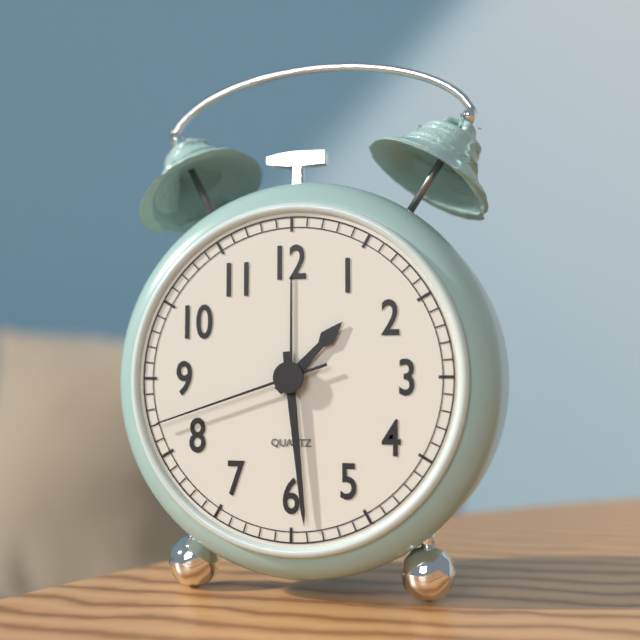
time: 1:29:42
